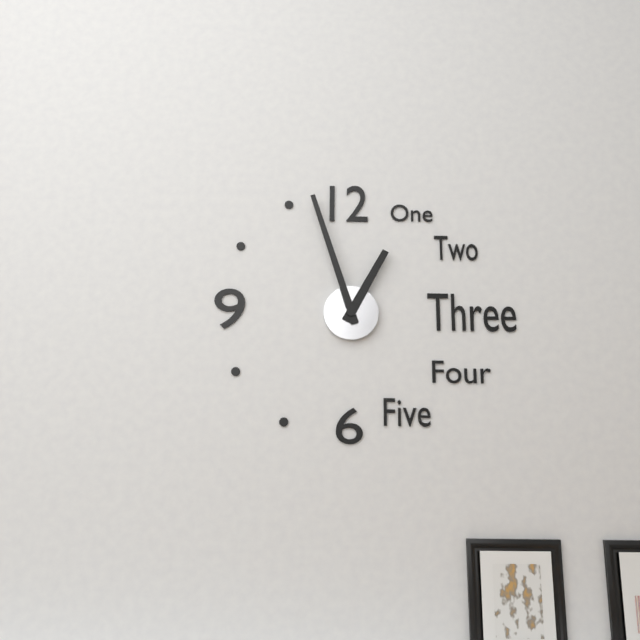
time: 12:57
